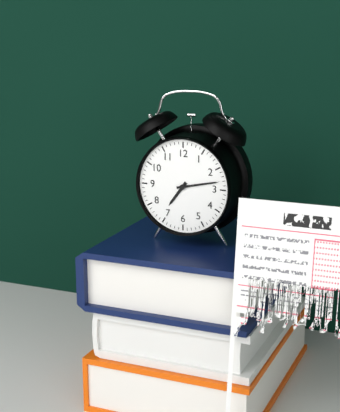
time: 7:13
